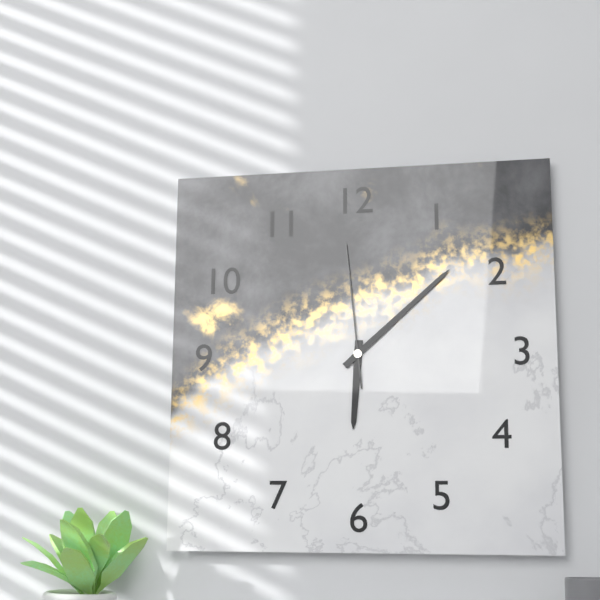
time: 6:08:59
